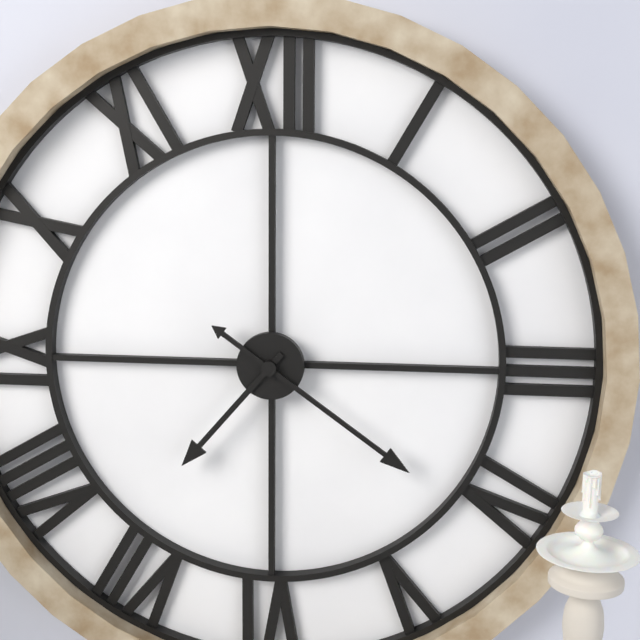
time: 7:21
